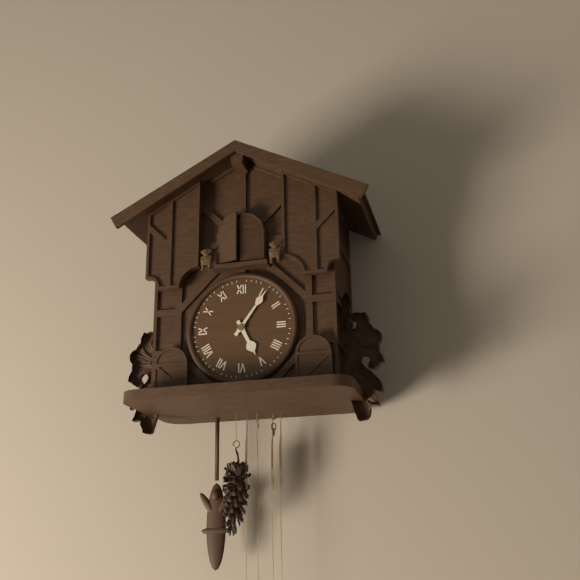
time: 5:06
